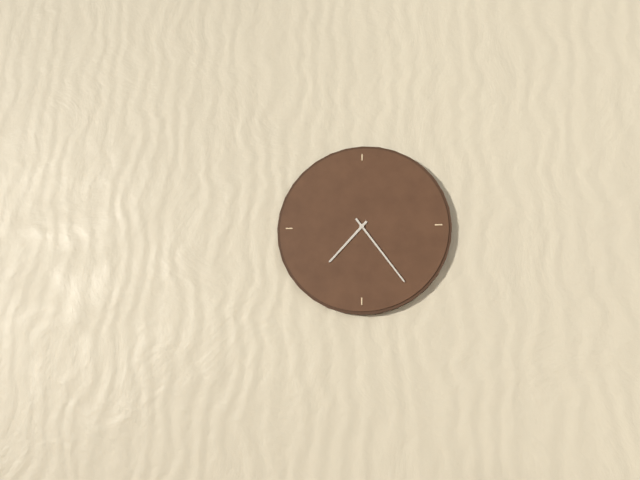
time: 7:24
